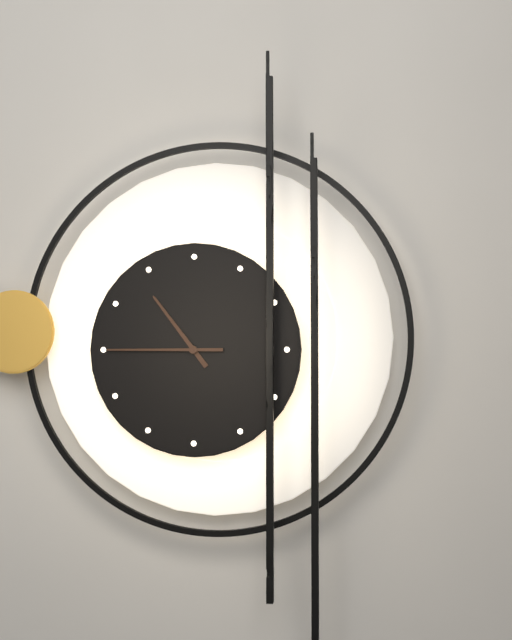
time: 10:45
